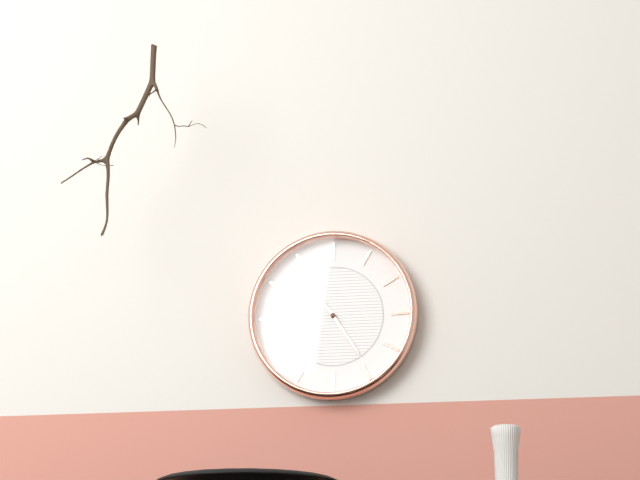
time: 4:54
